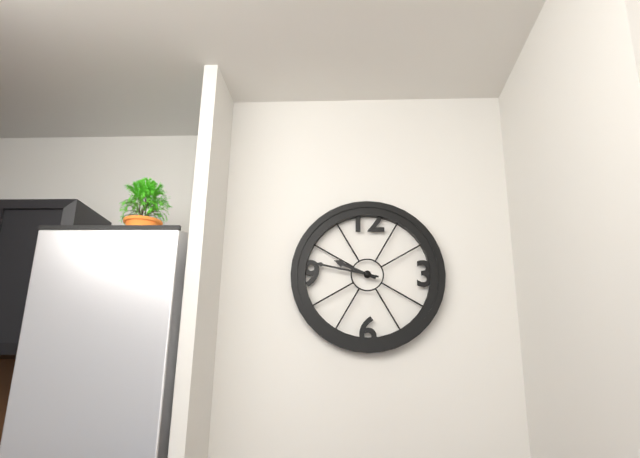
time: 9:47
